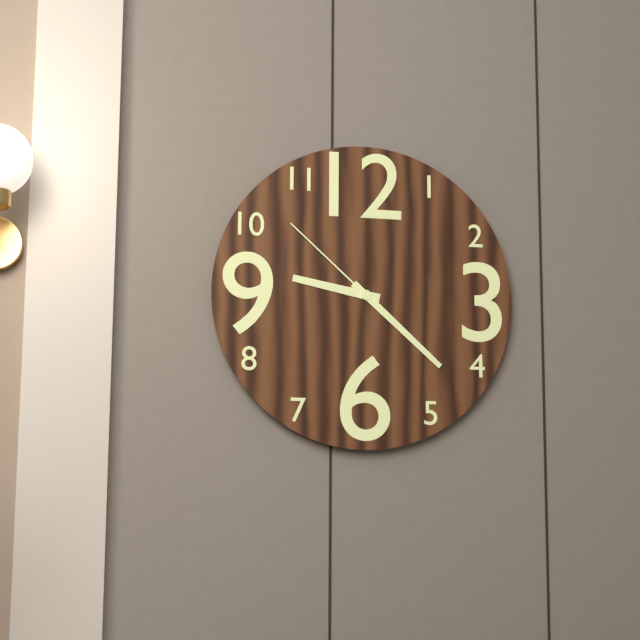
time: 9:22:52
